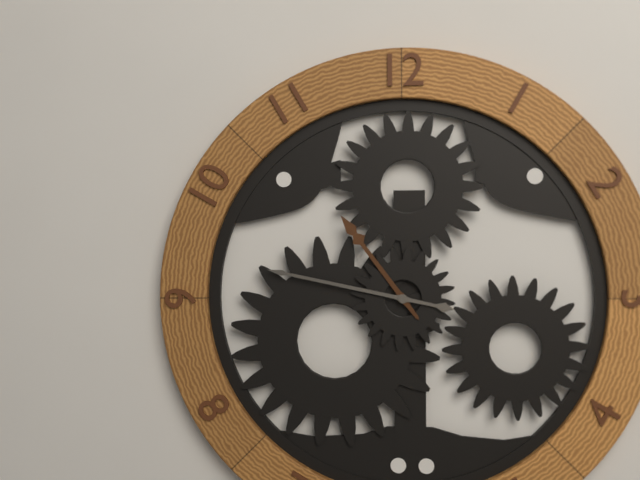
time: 10:47
